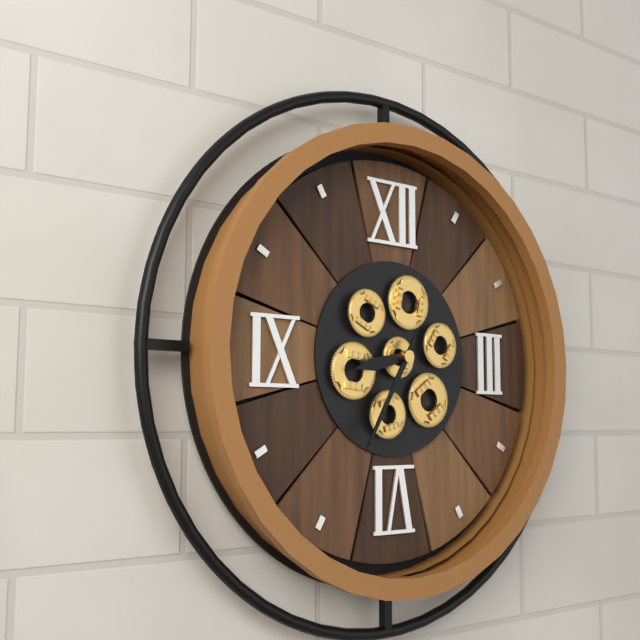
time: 8:35
